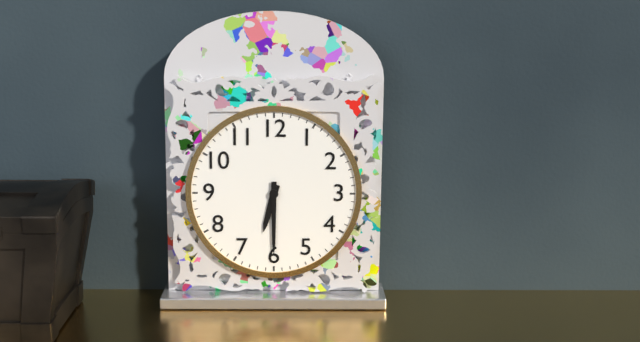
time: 6:30
